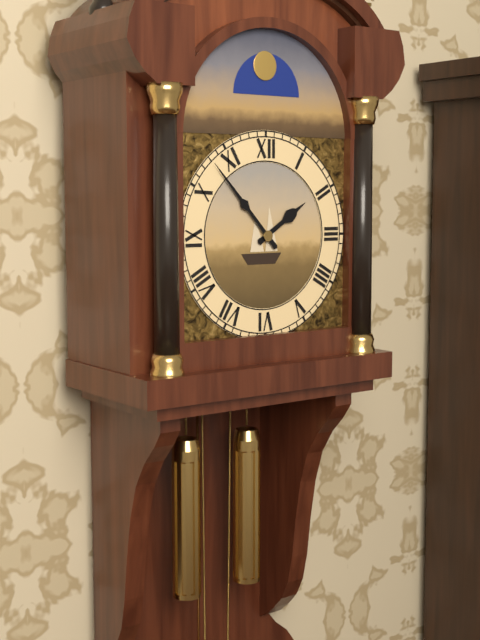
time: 1:53
